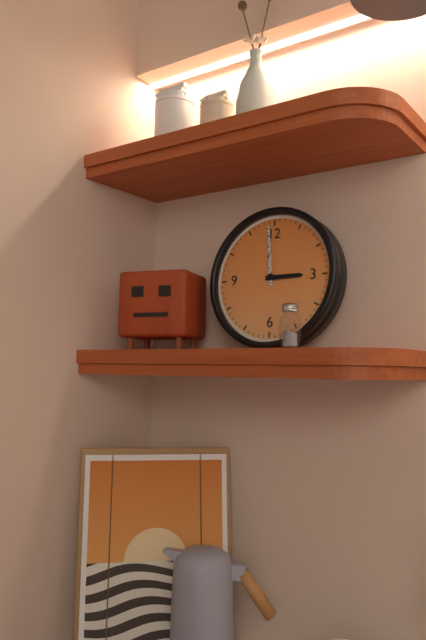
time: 2:59
